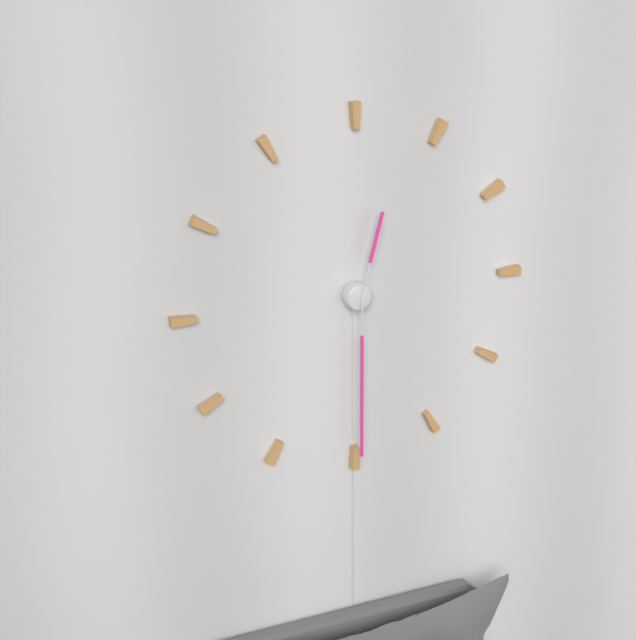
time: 12:30
